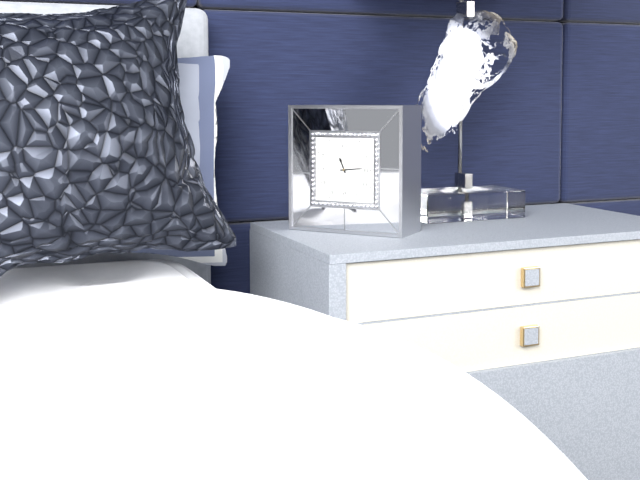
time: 11:14
